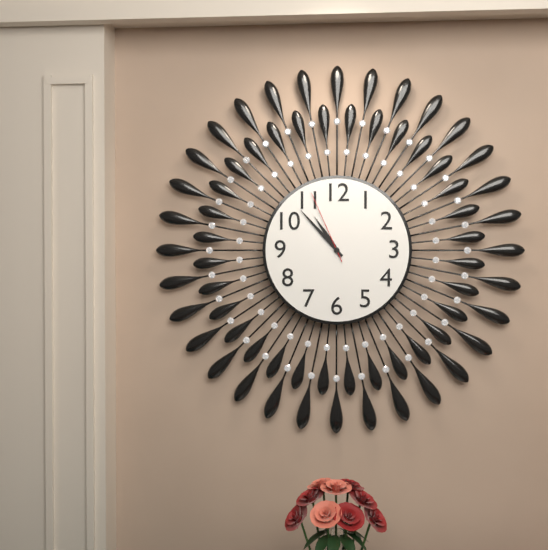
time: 10:53:56
